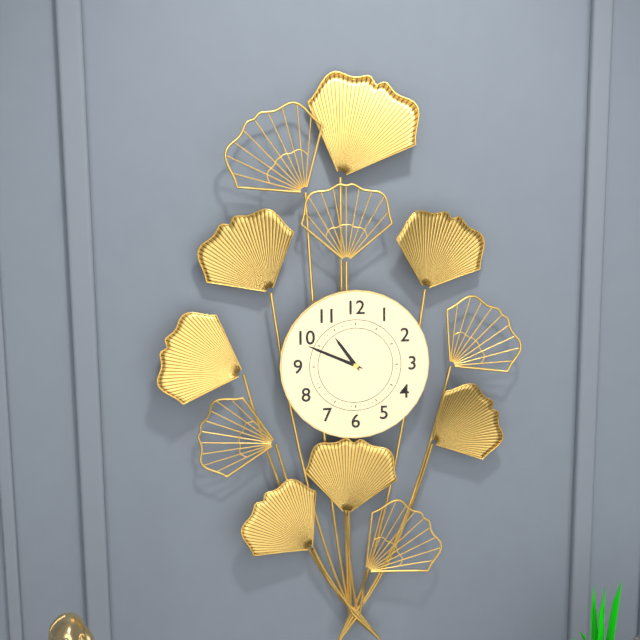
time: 10:49
